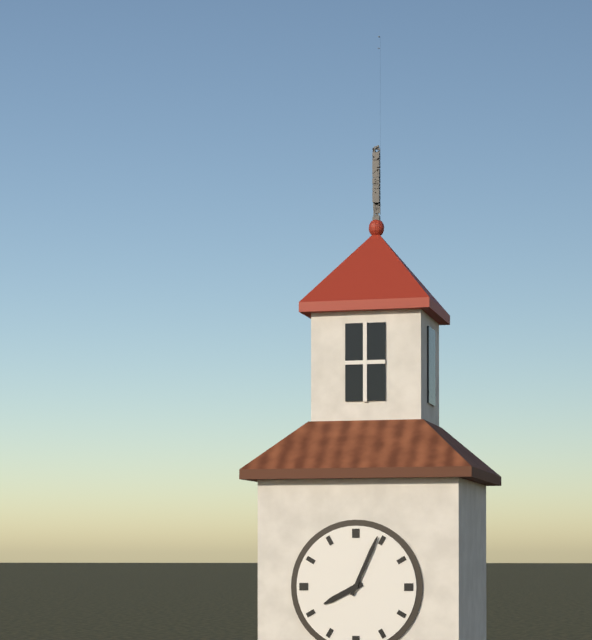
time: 8:04
